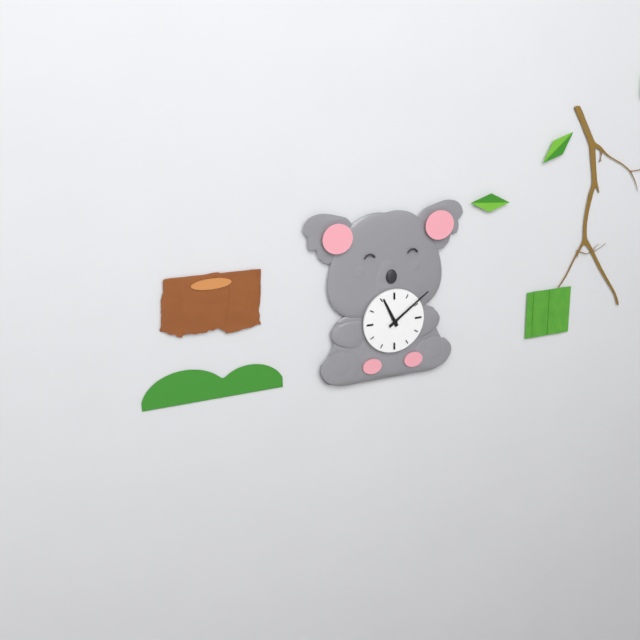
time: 11:09
